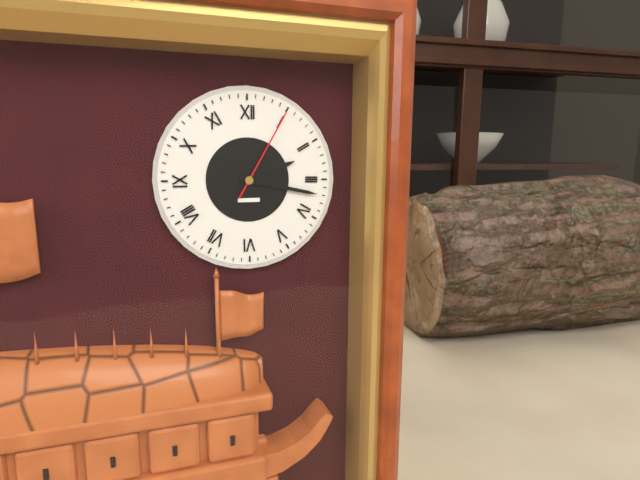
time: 2:17:05
